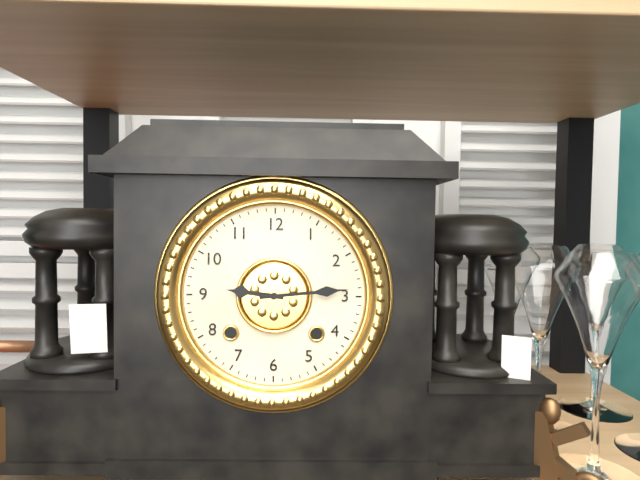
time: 9:14
